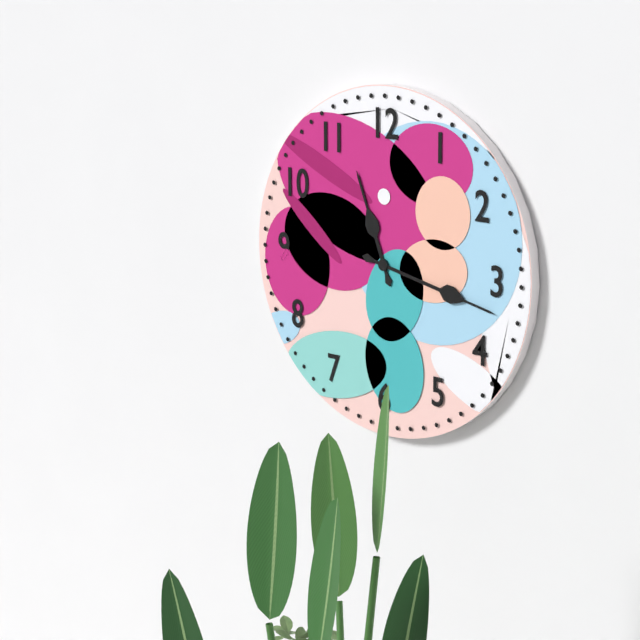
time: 11:17
